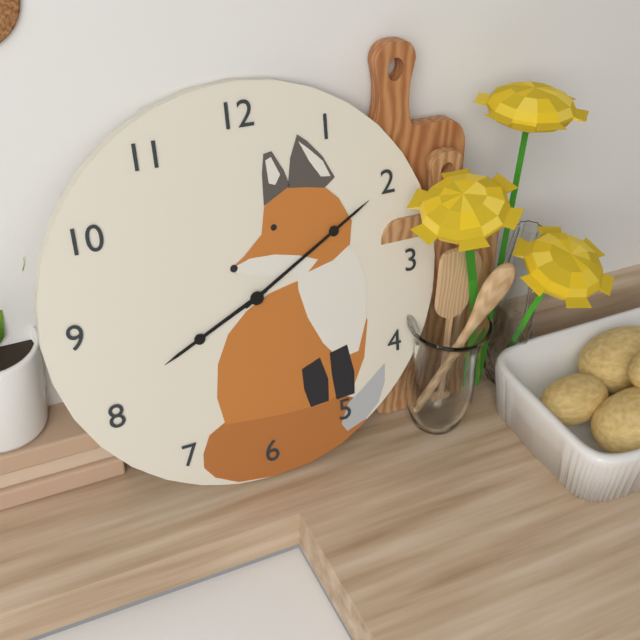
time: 8:10
